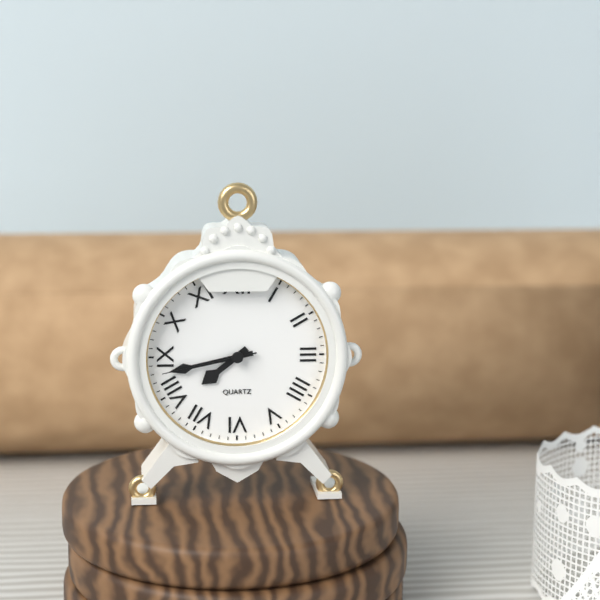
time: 7:43:43
